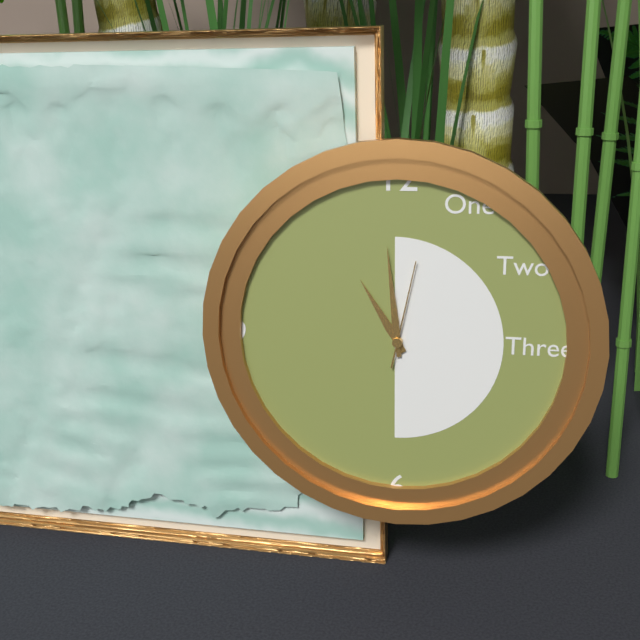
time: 10:59:02
